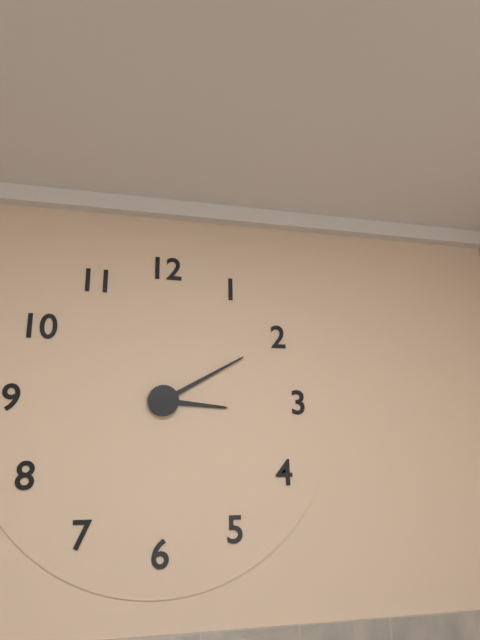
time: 3:10
